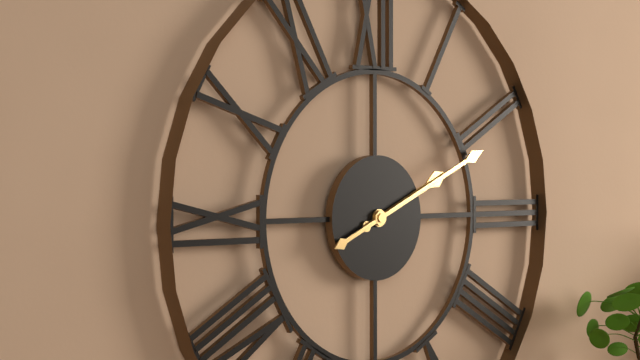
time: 2:11
